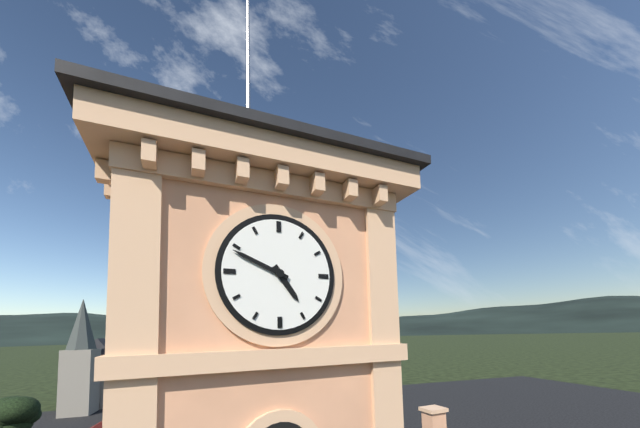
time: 4:49
